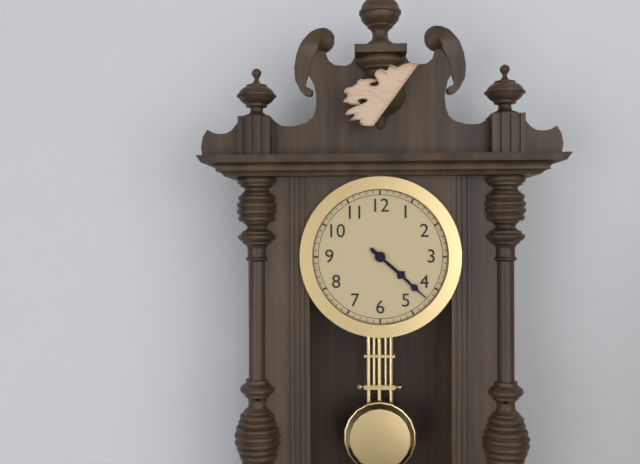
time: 4:22
